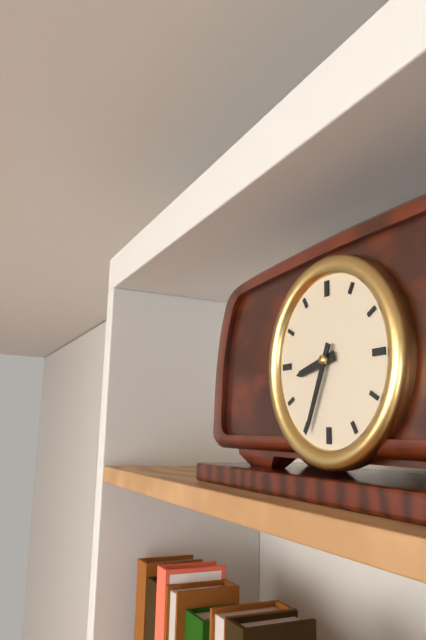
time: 8:34
